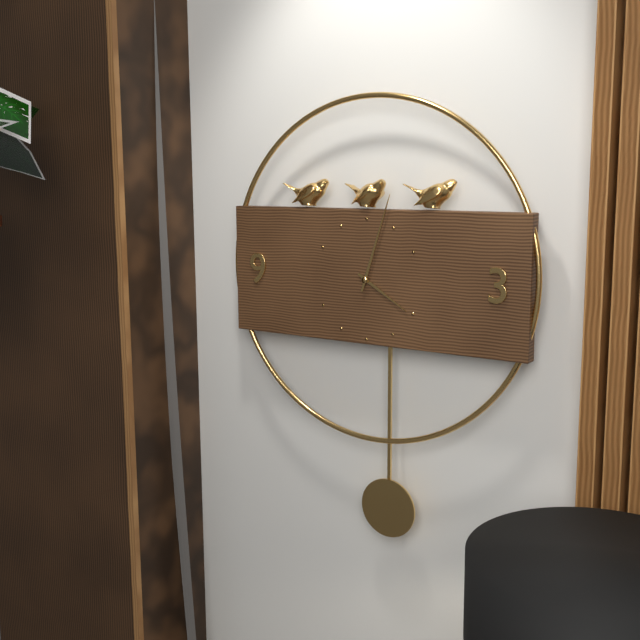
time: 4:03
